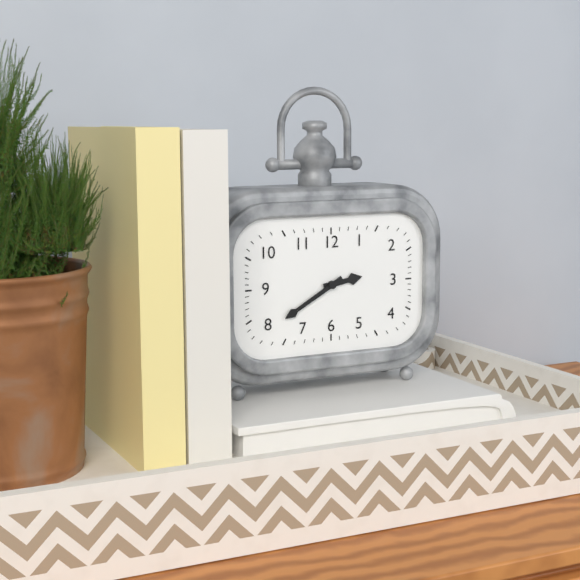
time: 2:40
